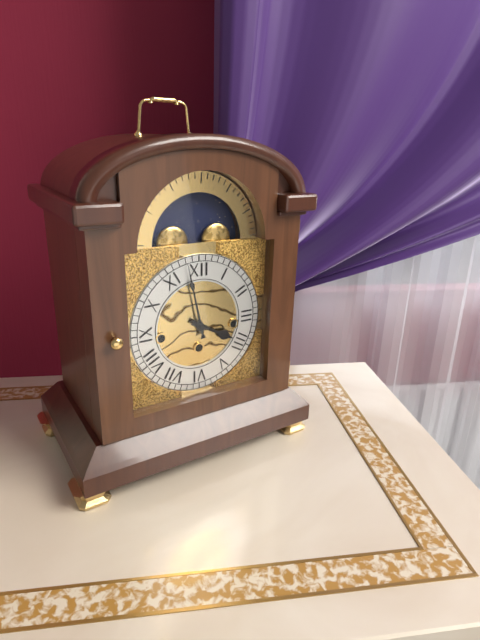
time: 3:58
